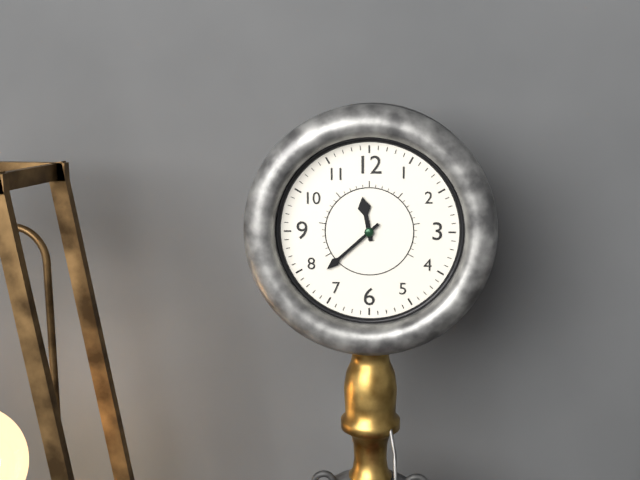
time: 11:38
